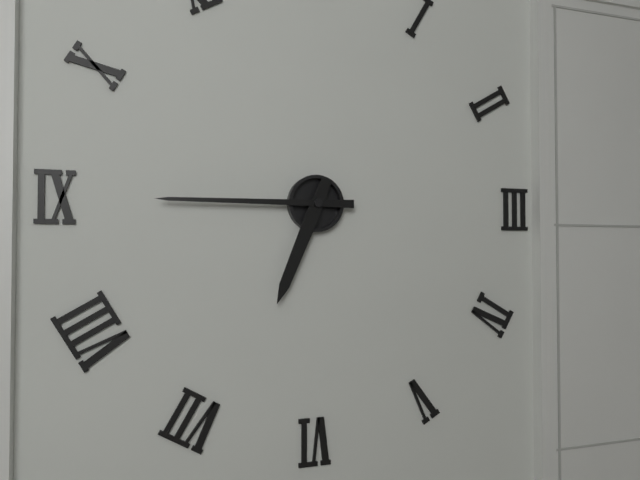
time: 6:45
